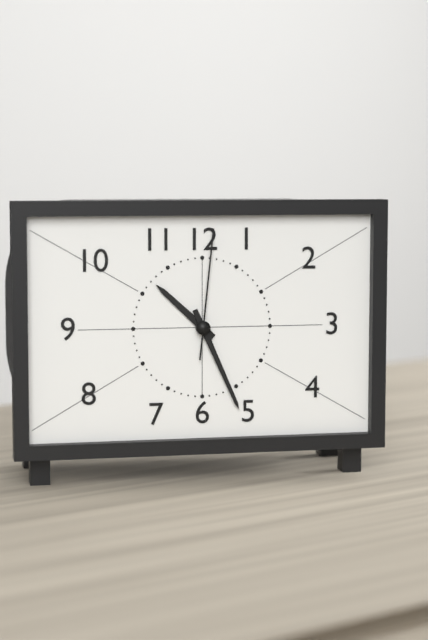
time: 10:26:01
